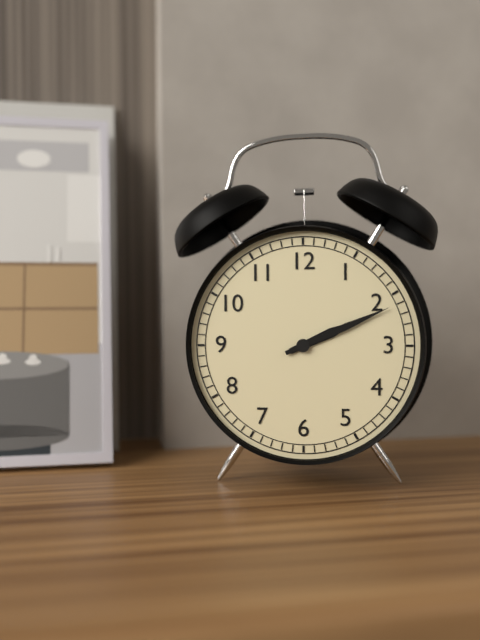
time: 2:11
